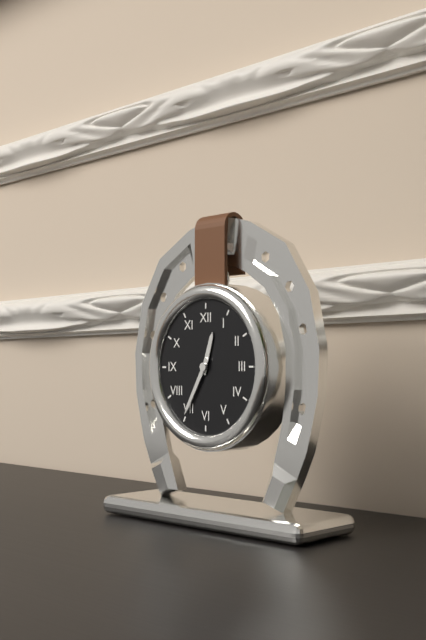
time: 12:35
